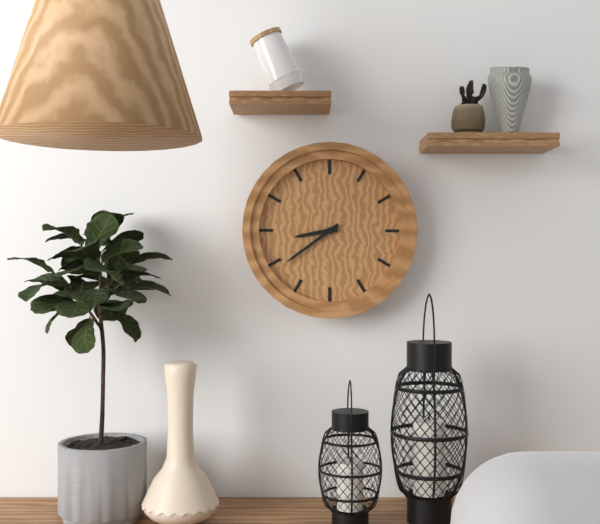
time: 8:39
